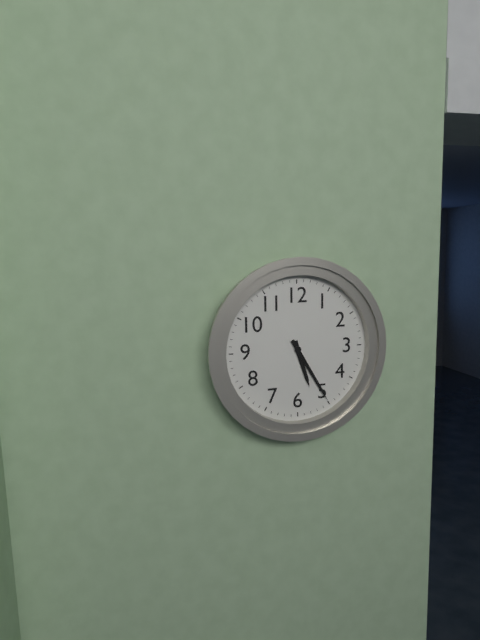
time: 5:25
